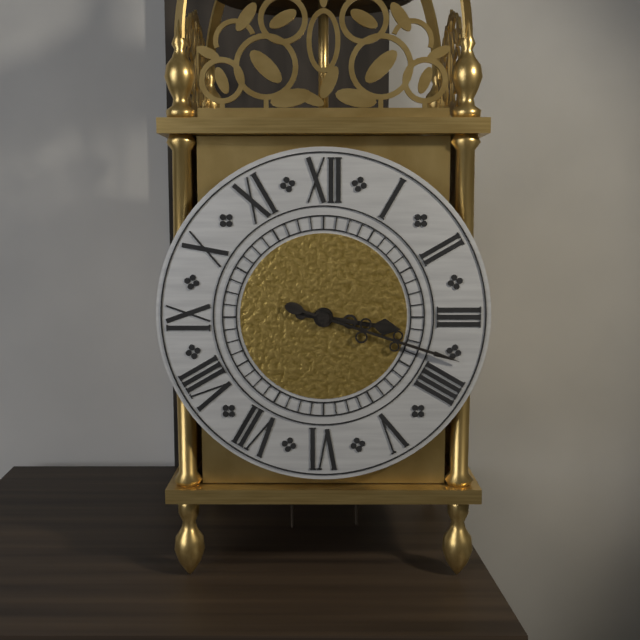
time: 3:18
